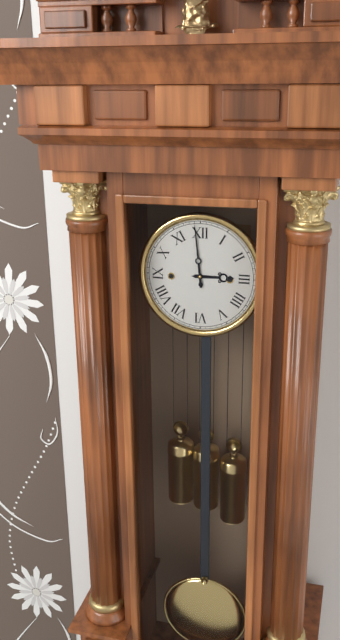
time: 2:59
